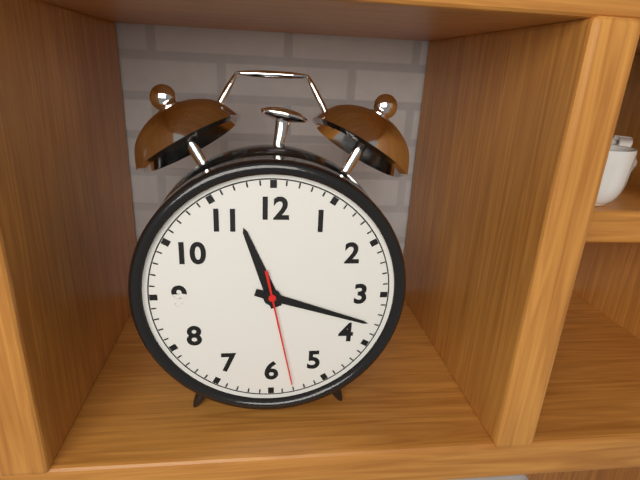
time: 11:18:28
